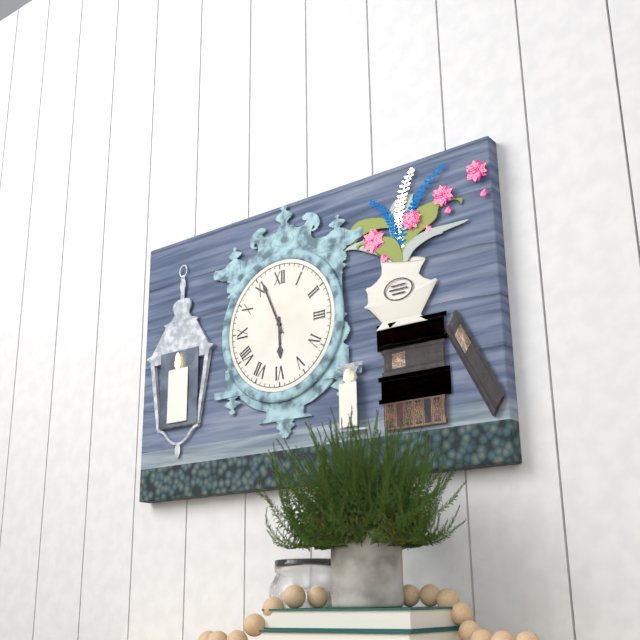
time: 5:56
